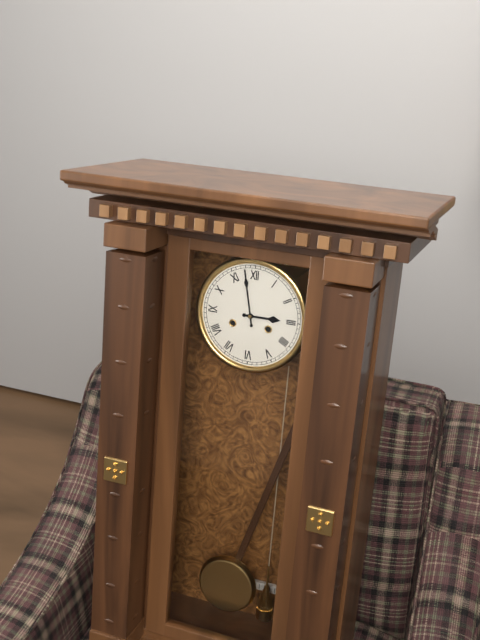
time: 2:58
